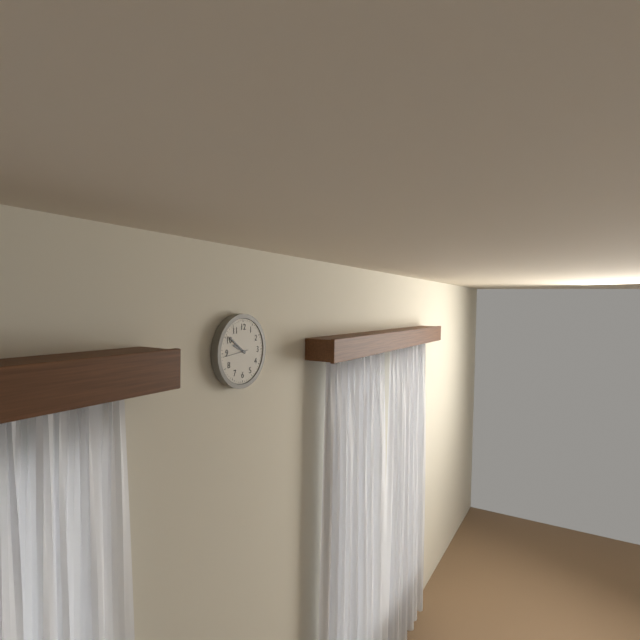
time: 9:51
